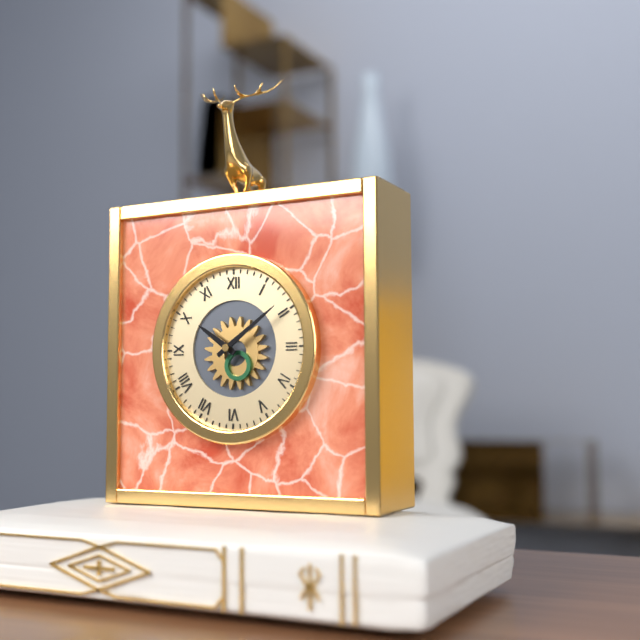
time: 10:09
